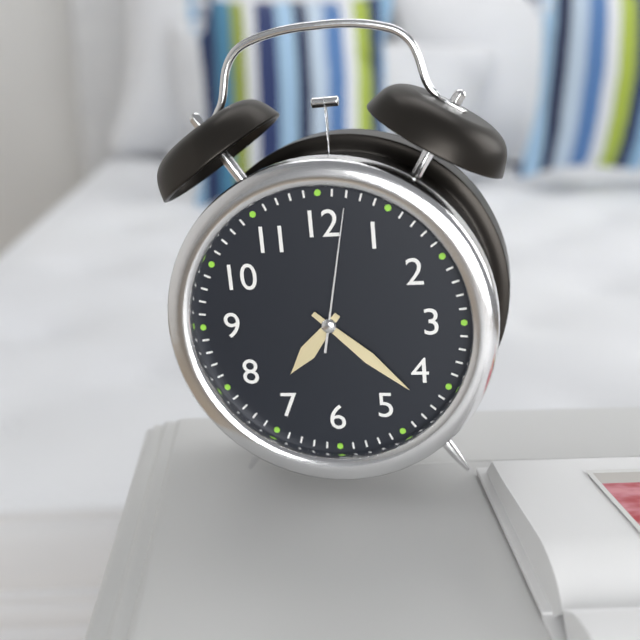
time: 7:22:02
